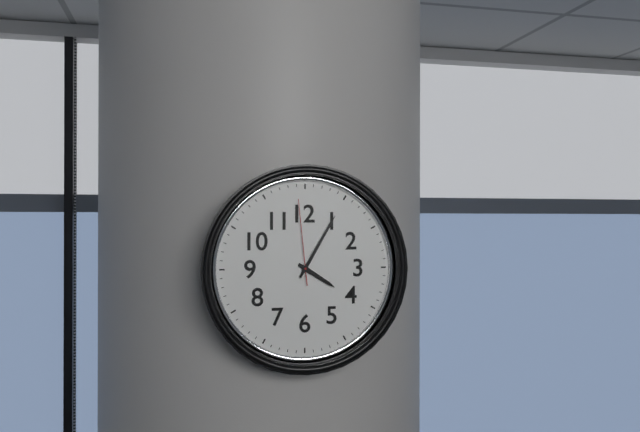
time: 4:05:59
